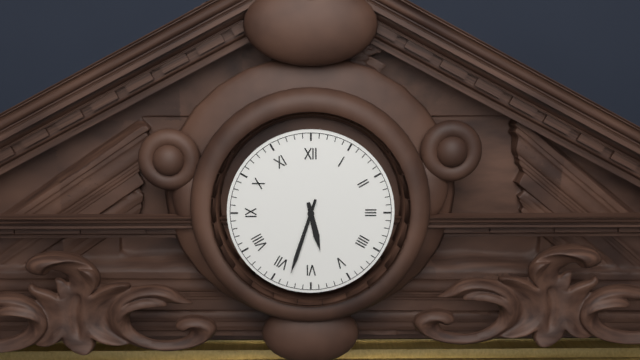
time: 5:33
